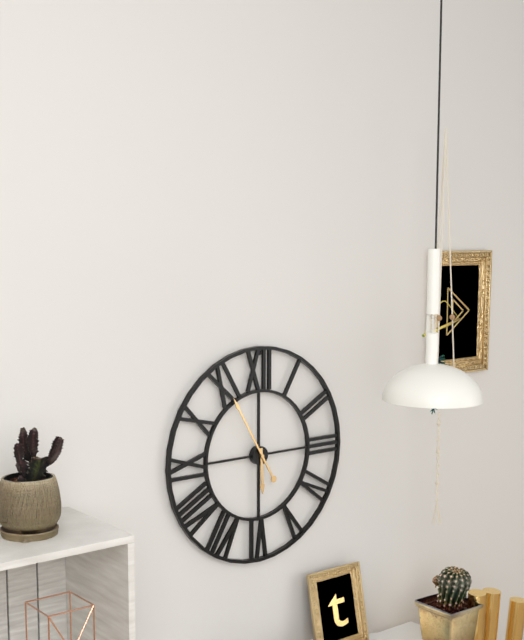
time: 5:55
